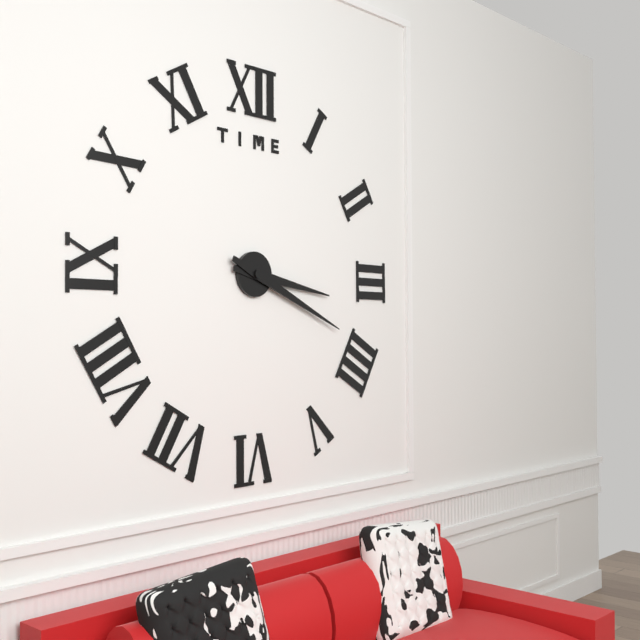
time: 3:19
